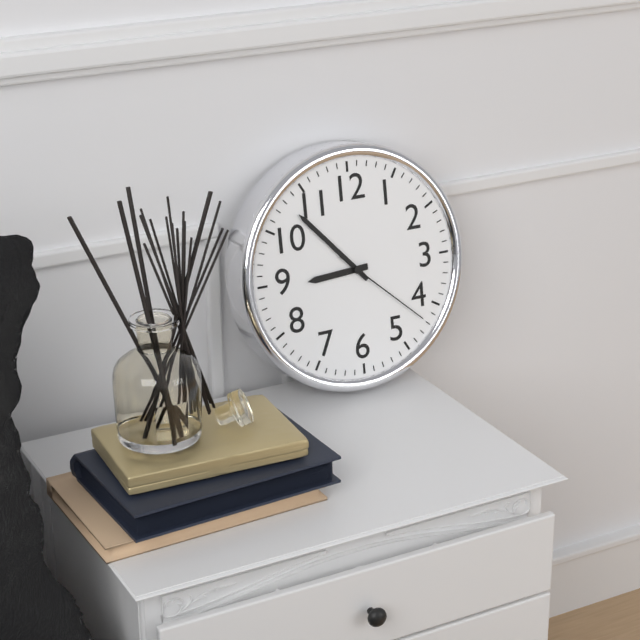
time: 8:53:22
